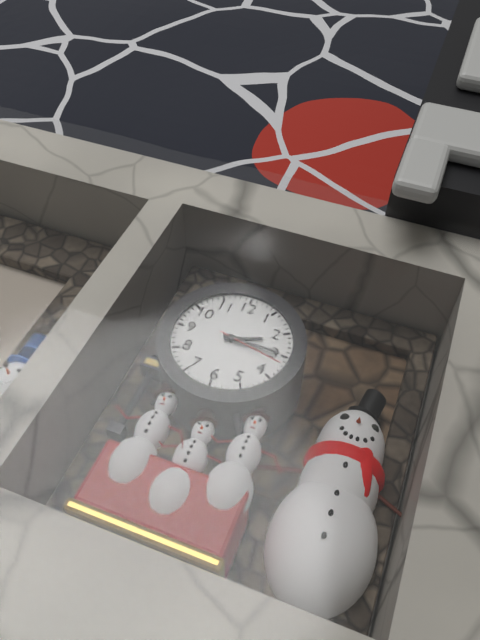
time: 2:15:17
